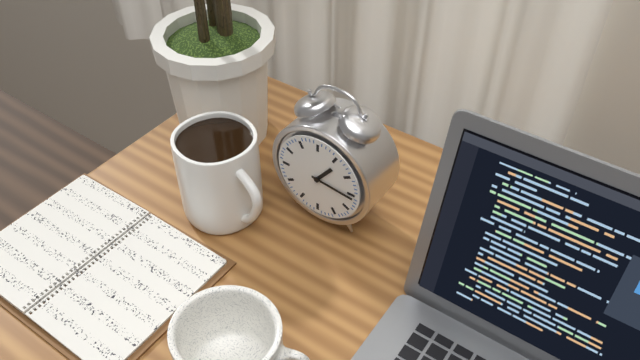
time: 1:16
